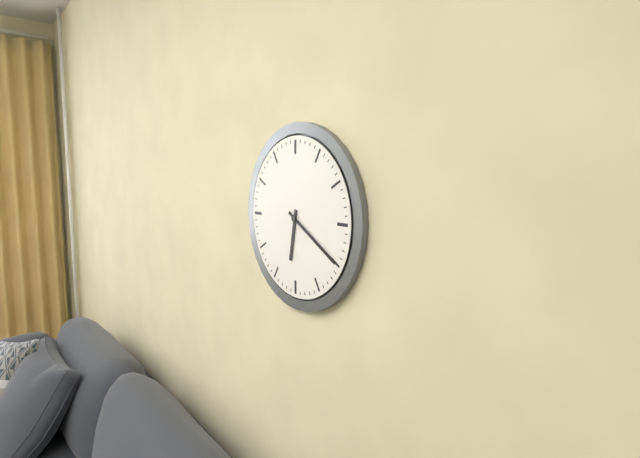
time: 6:20
